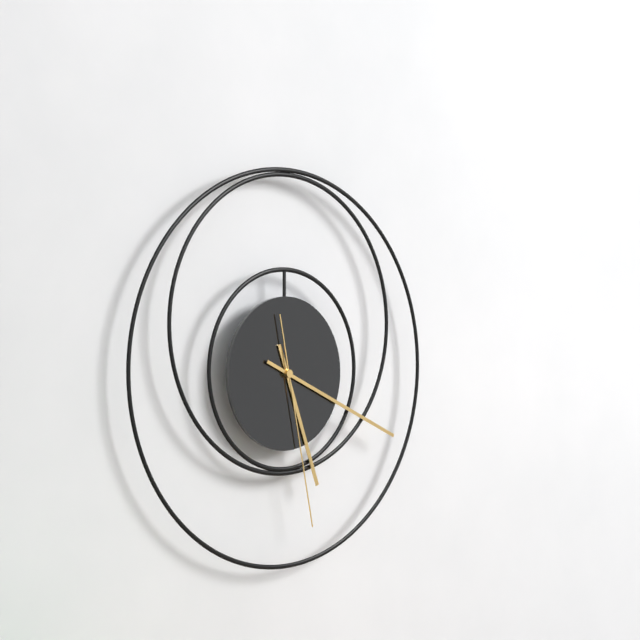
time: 5:19:28
